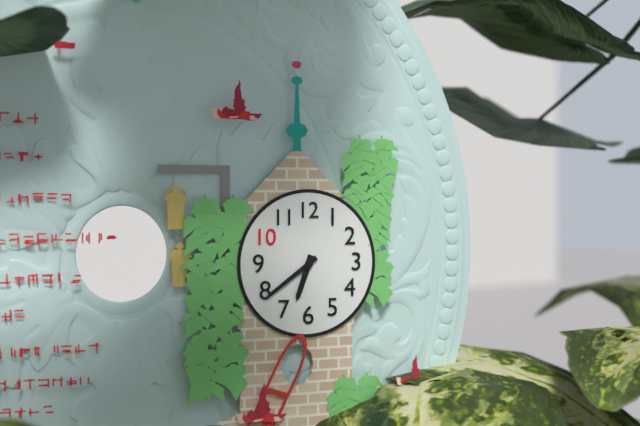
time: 6:39
